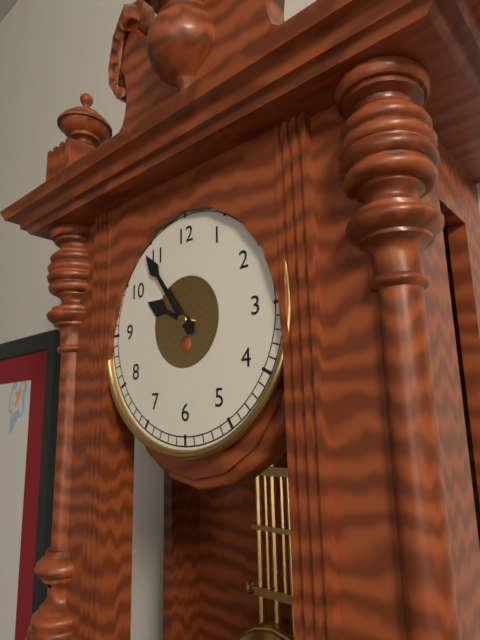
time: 9:54
